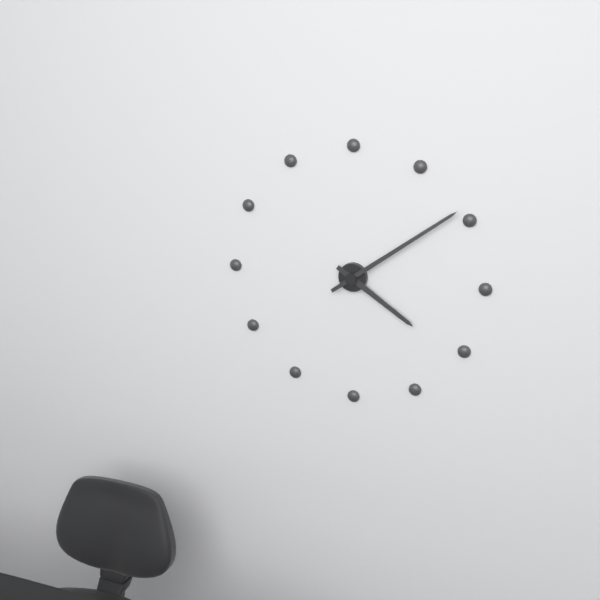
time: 4:09
